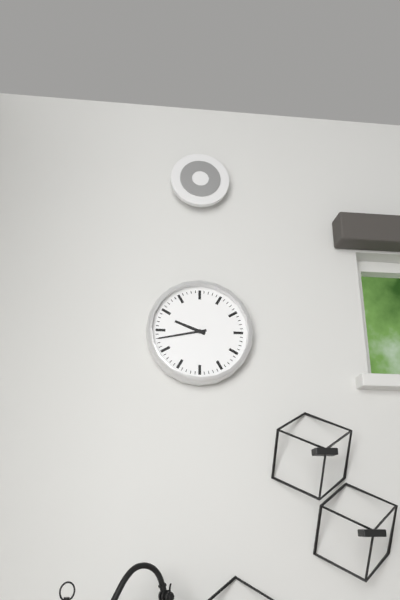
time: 9:43
